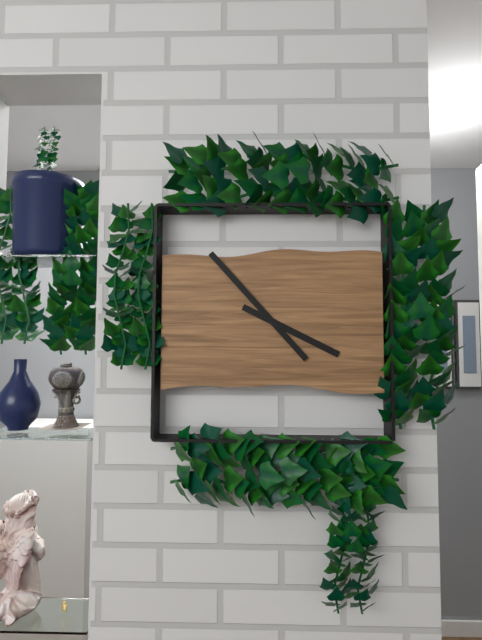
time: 3:53
